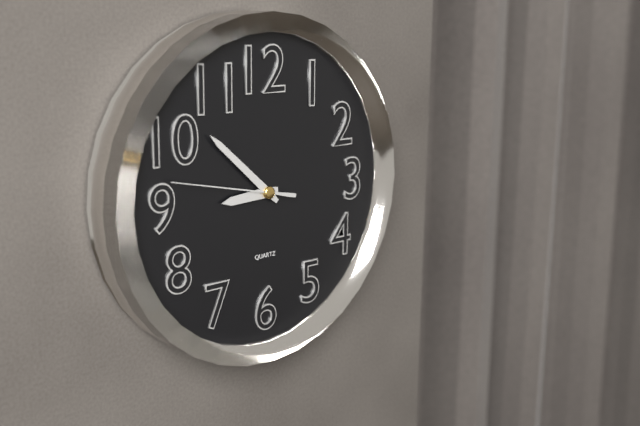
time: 8:52:47
